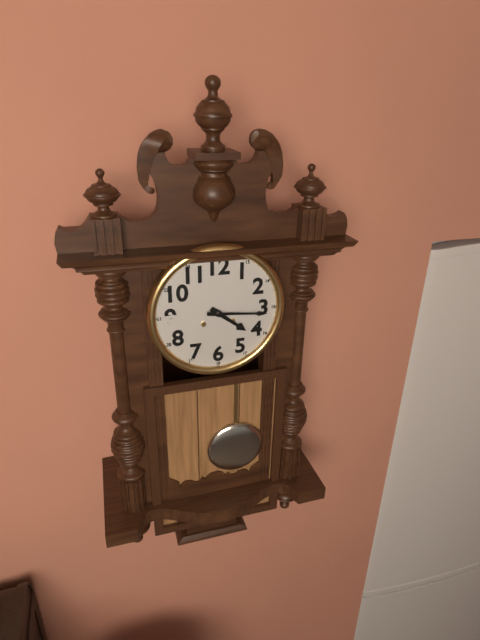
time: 4:16
